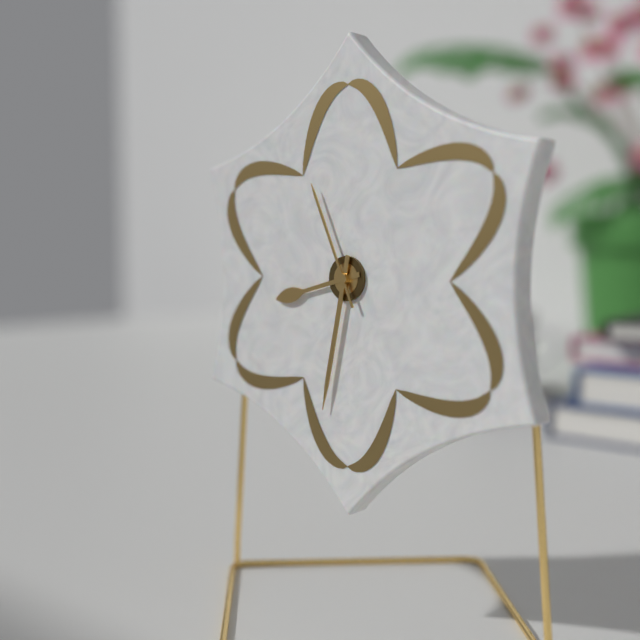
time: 8:32:56
